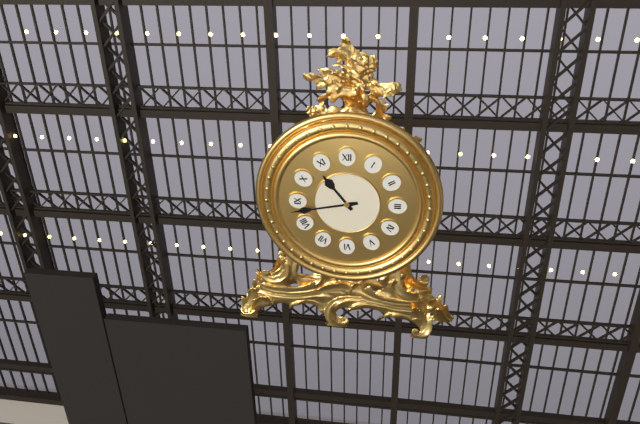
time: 10:43
